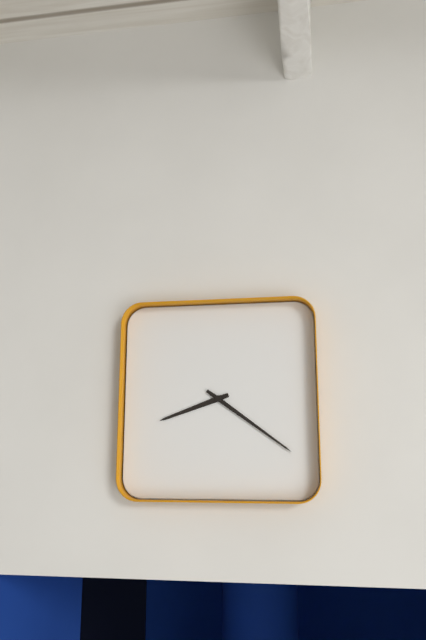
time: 8:21
